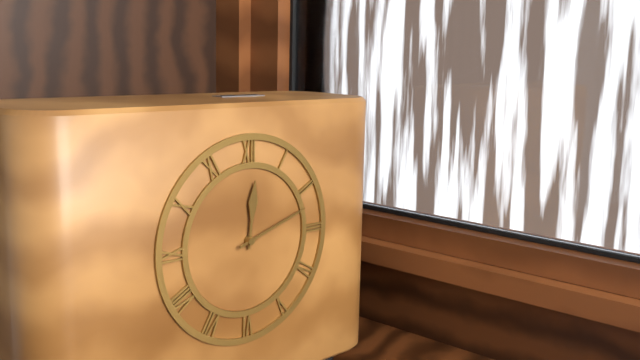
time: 12:12
